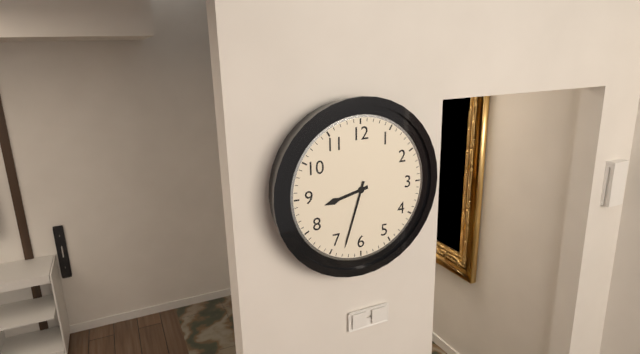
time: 8:33
